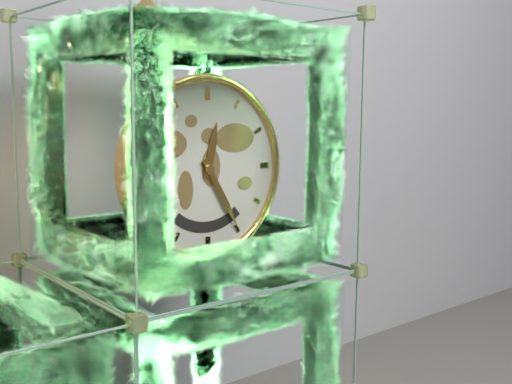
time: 12:25
